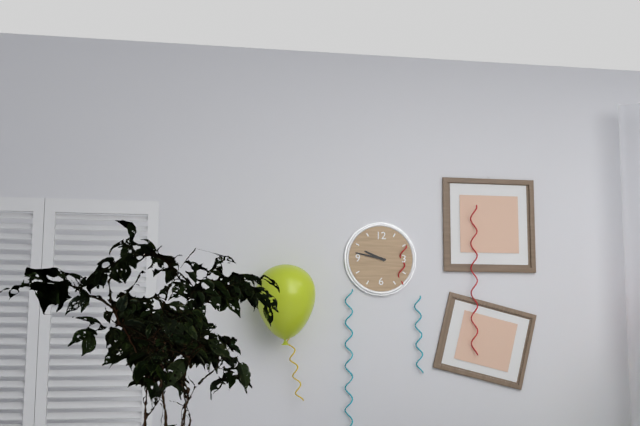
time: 9:47
